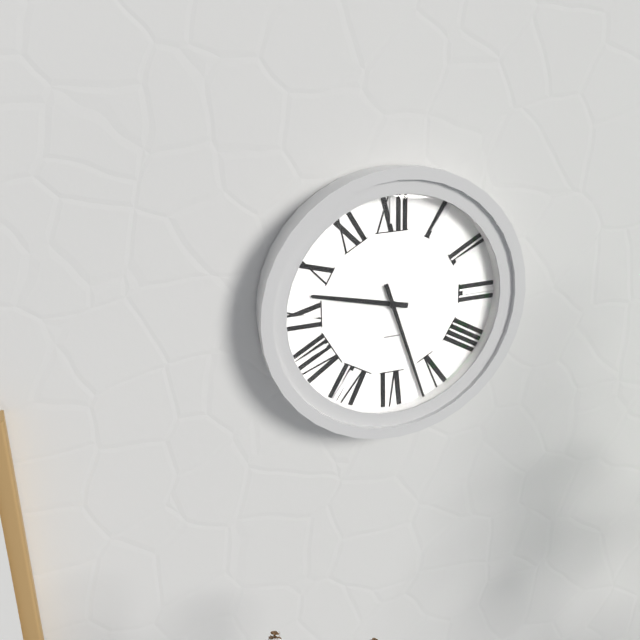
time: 9:27
